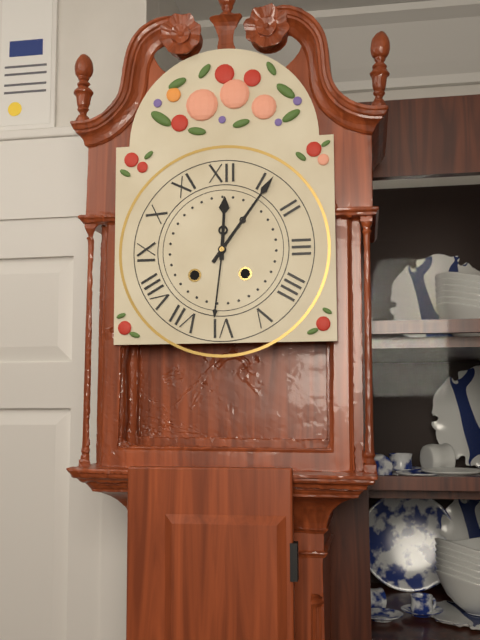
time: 12:06
